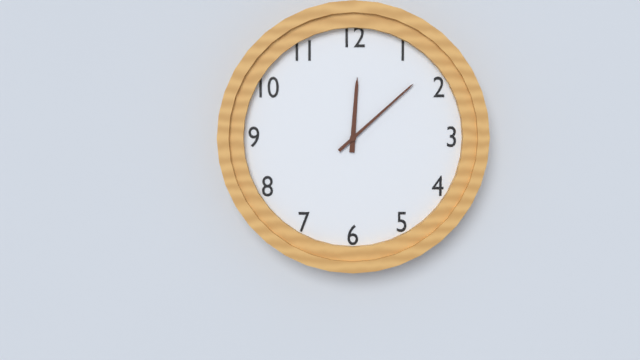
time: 12:08
